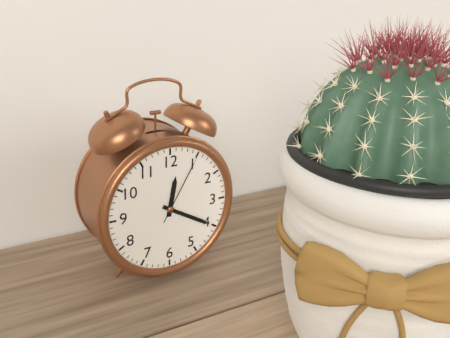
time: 12:20:05
